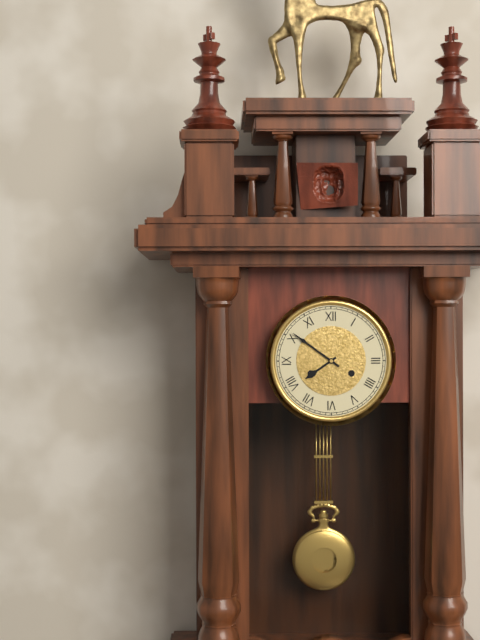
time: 7:51
